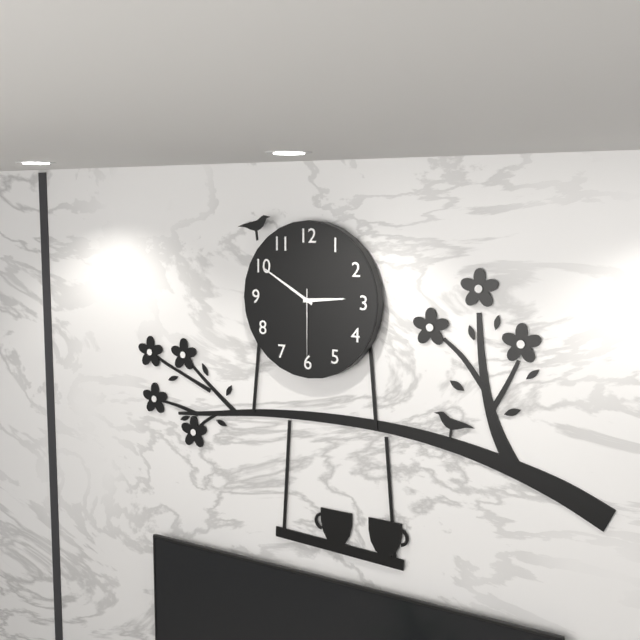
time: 2:50:30
